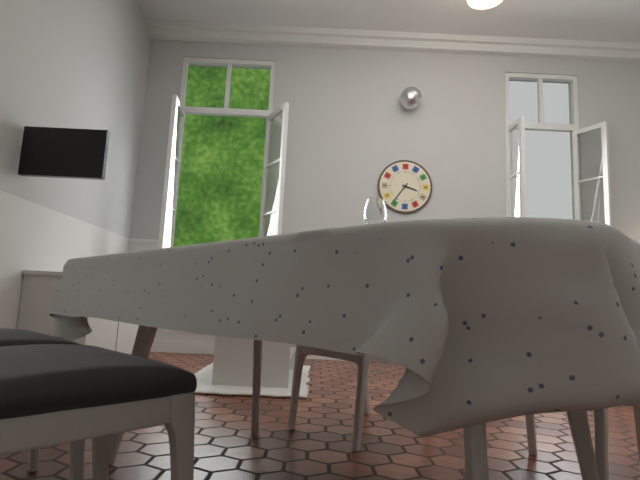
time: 3:36
